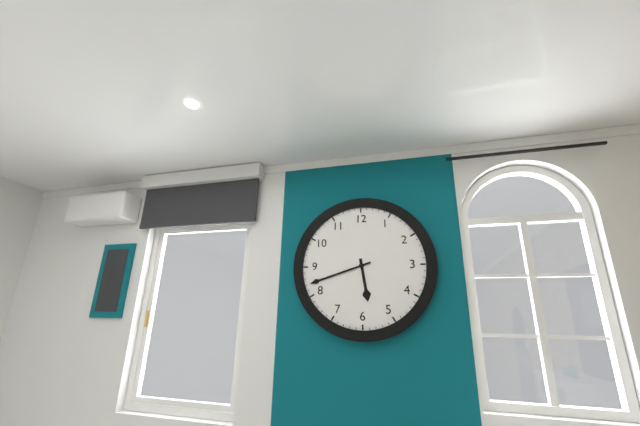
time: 5:42
